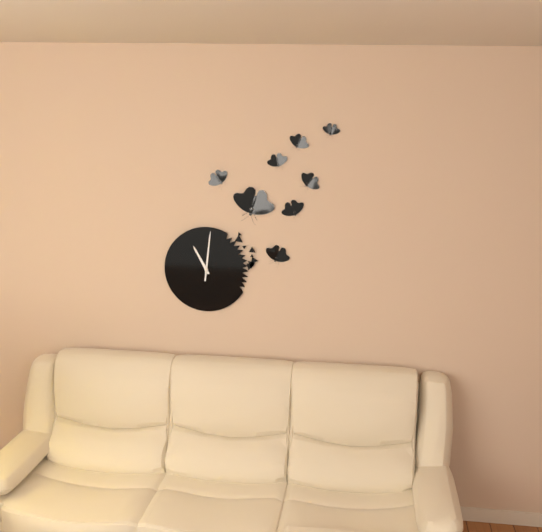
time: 11:01
